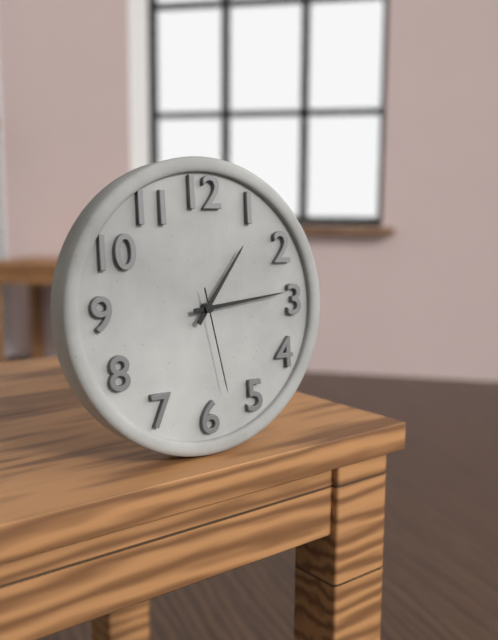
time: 1:14:28
